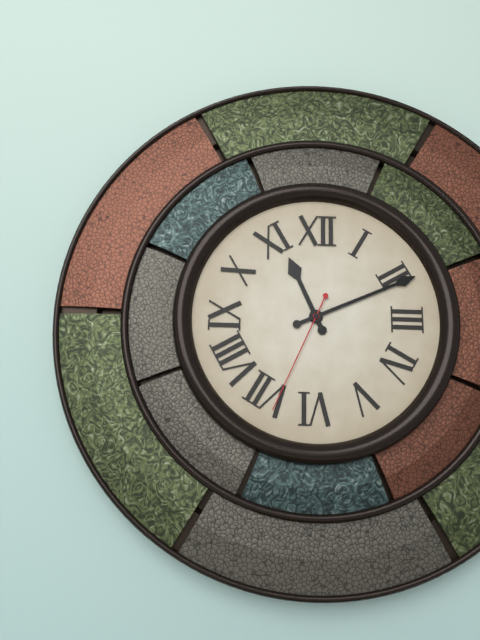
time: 11:11:34
